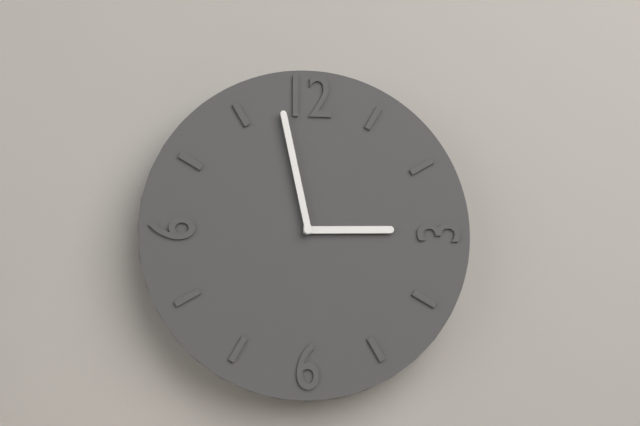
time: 2:58
